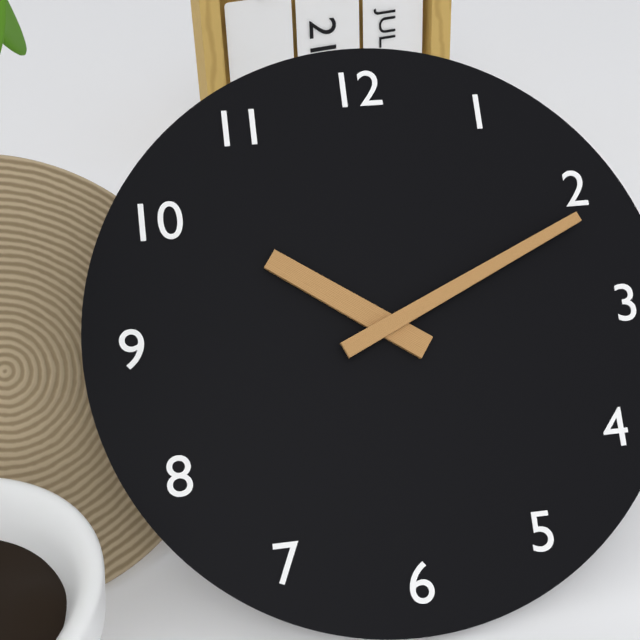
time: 10:11
